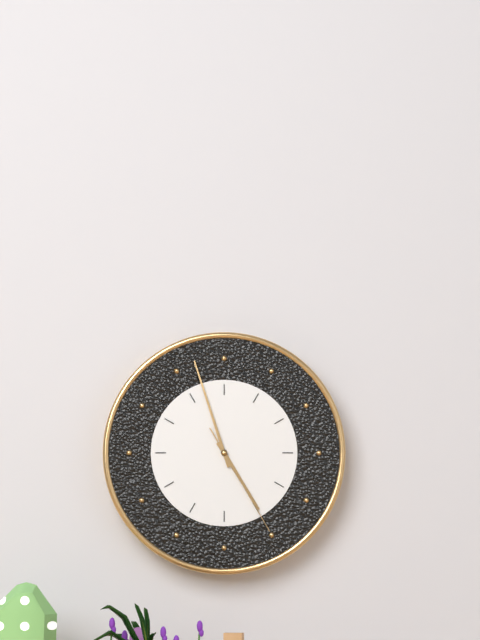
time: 4:57:25
